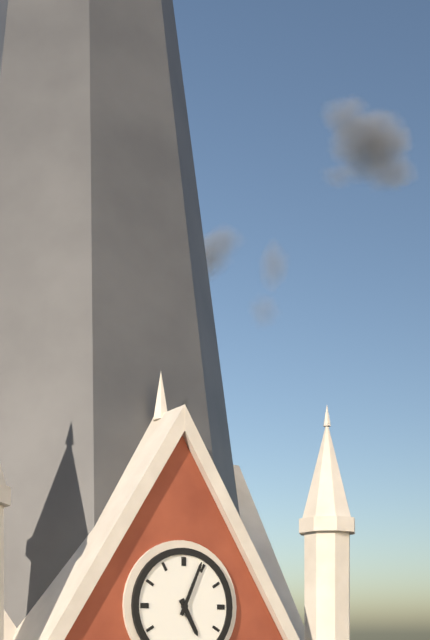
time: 5:04
